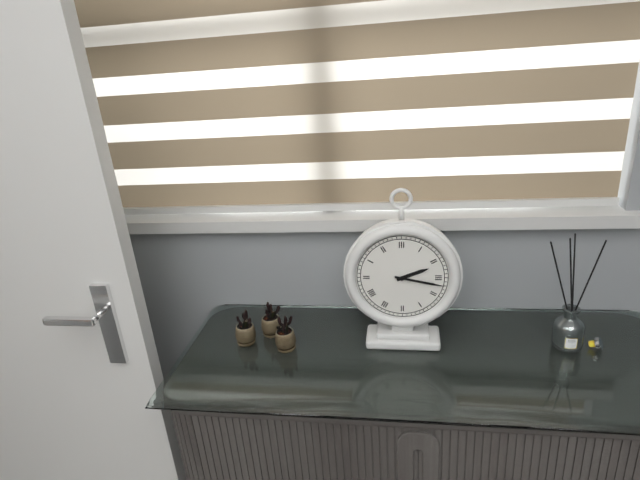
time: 2:17
